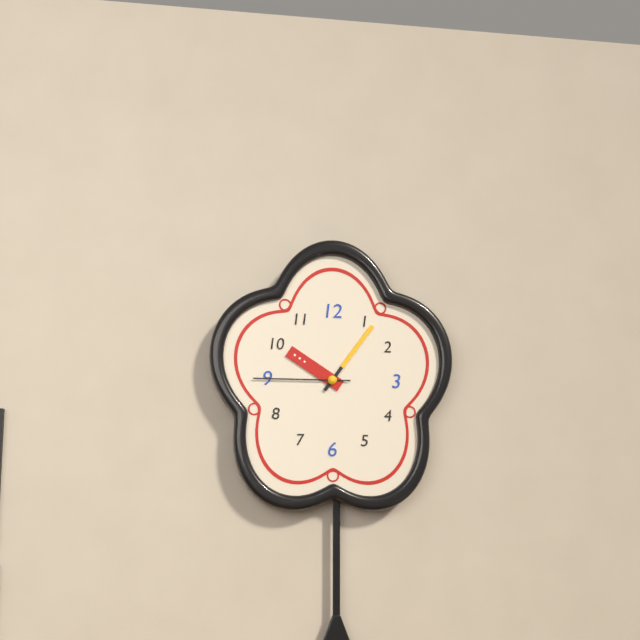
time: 10:06:45
